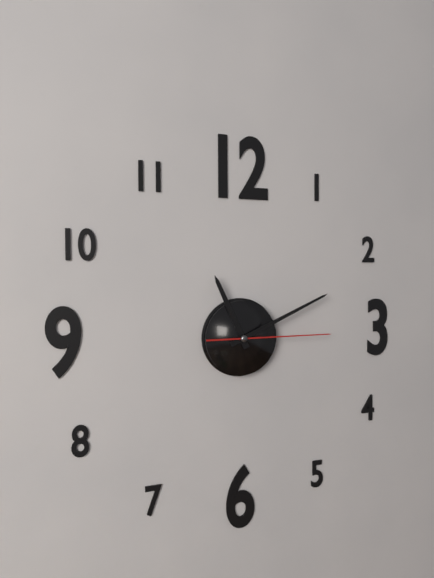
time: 11:11:15
